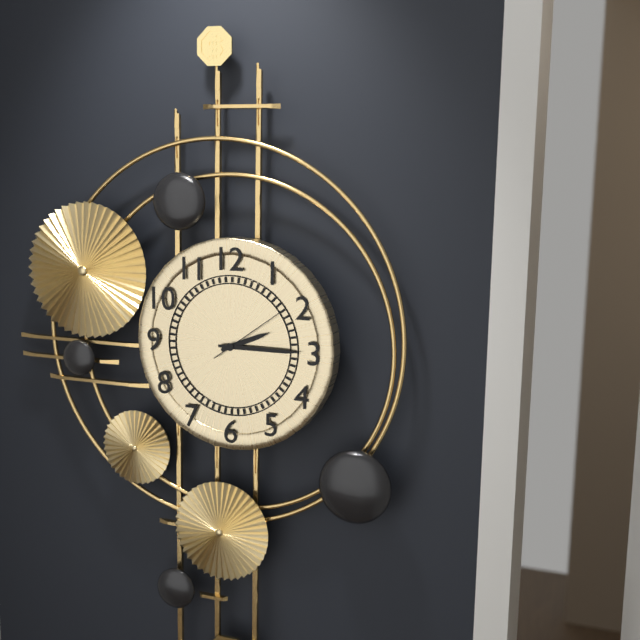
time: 2:15:09
